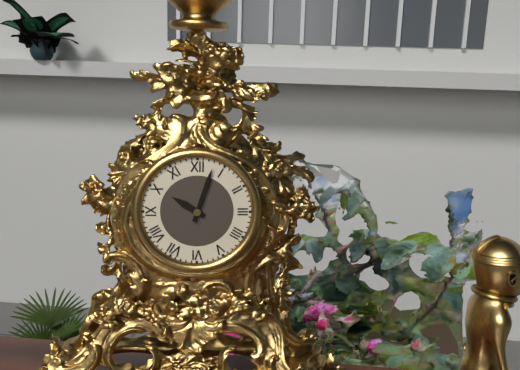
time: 10:03
